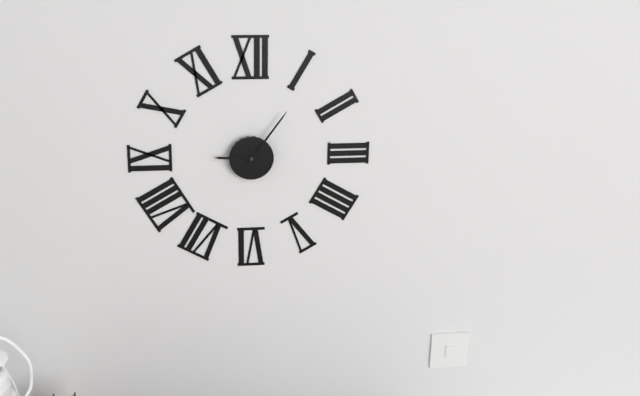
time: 9:06
